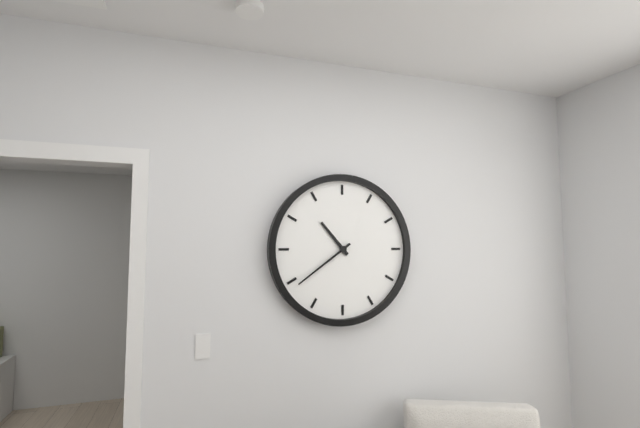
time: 10:39
